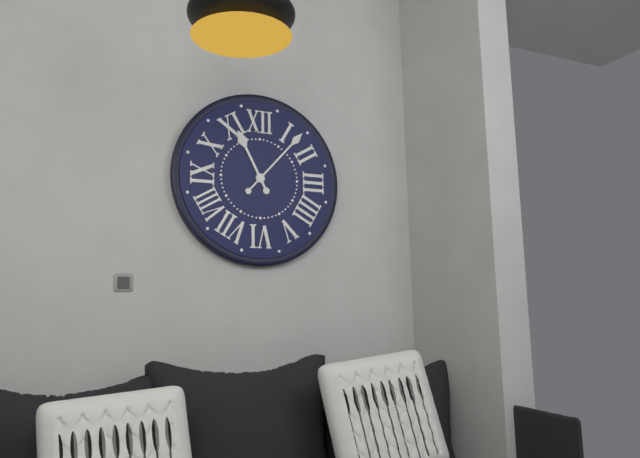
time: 11:07
